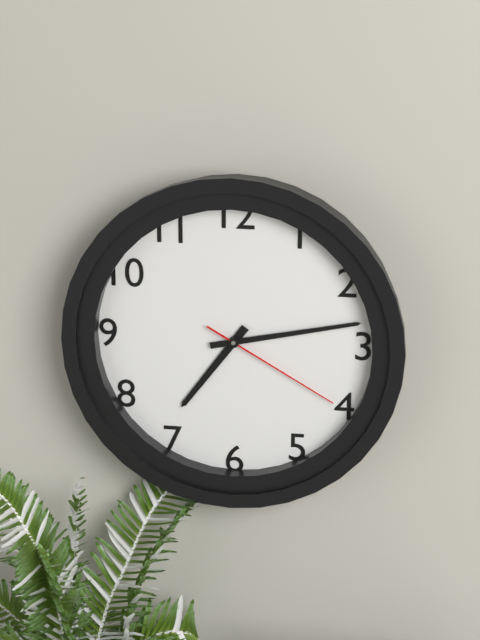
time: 7:13:20
